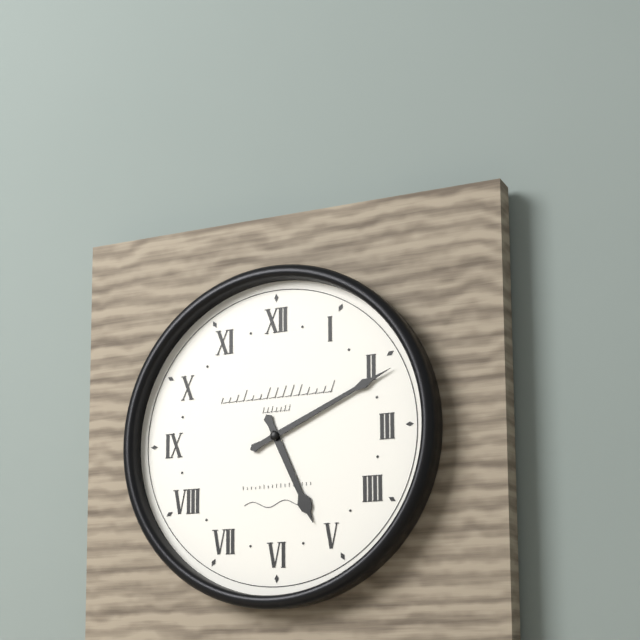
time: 5:11
